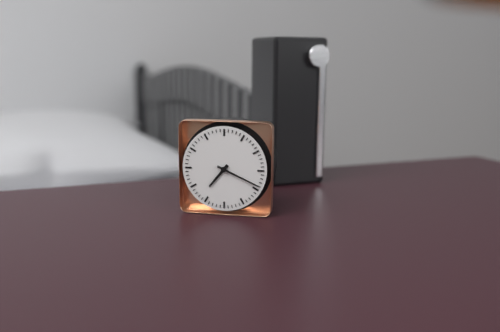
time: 7:19
